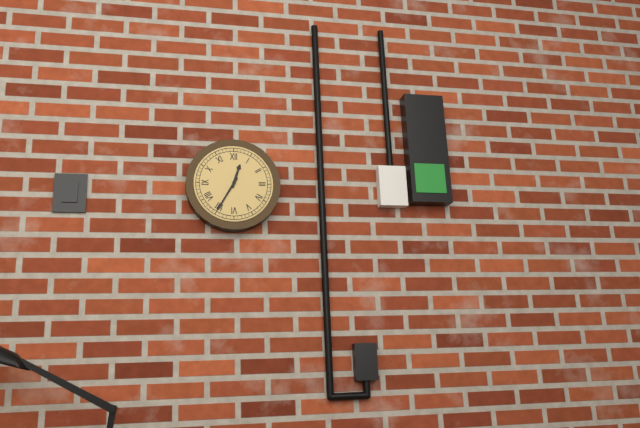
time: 12:35
